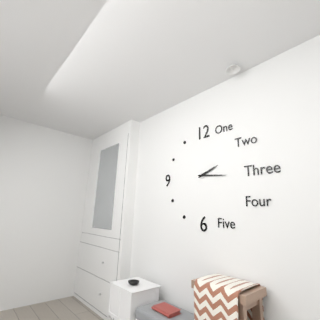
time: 2:16
